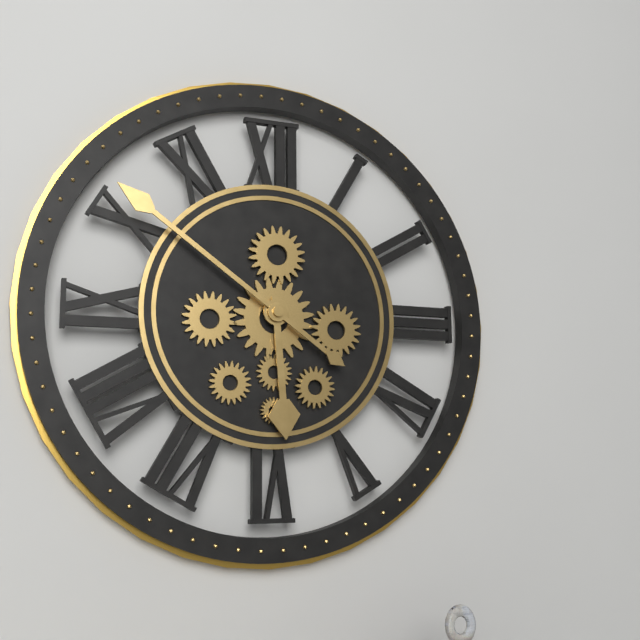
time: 5:51
